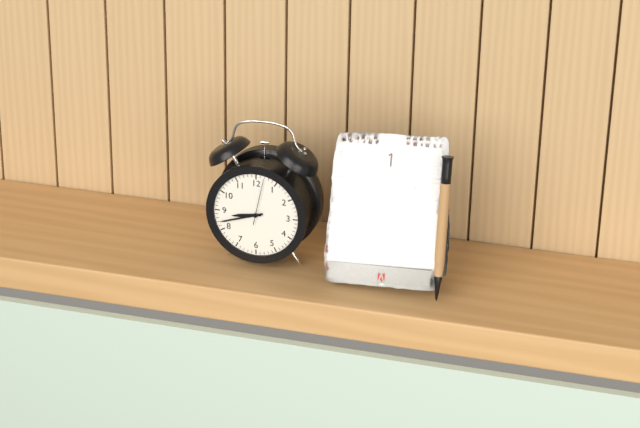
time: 8:42
